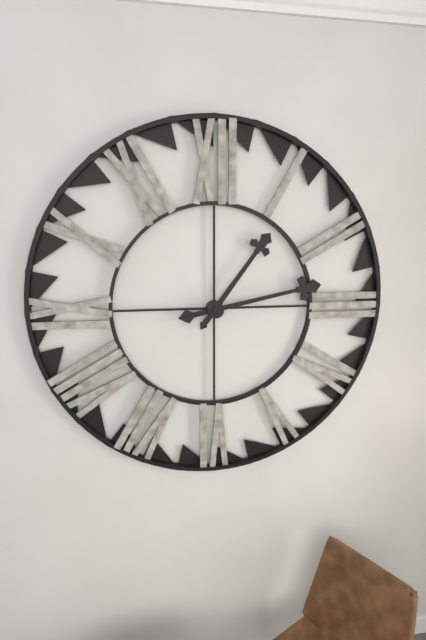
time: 1:13
